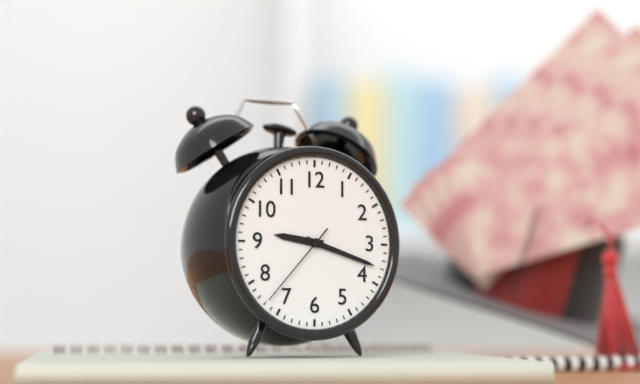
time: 9:18:37
